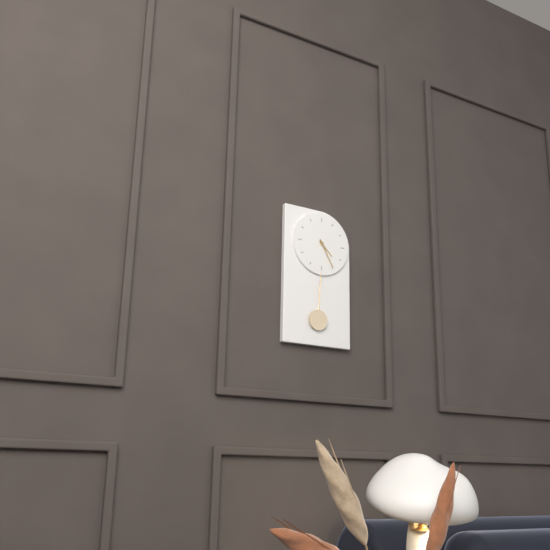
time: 4:25
